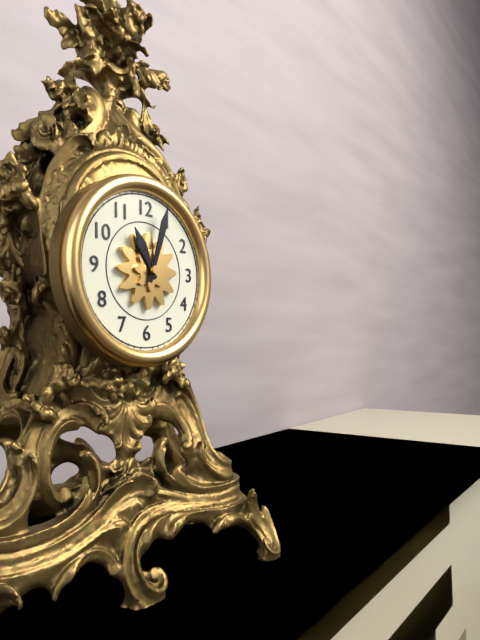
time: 11:03
